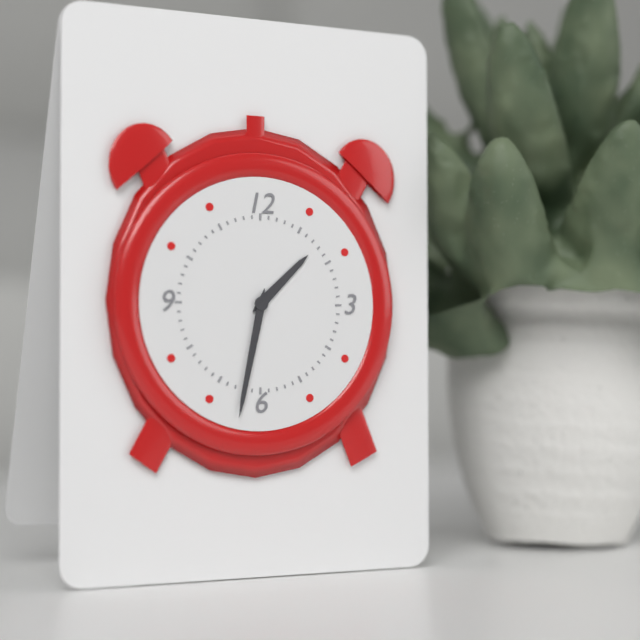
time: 1:32
